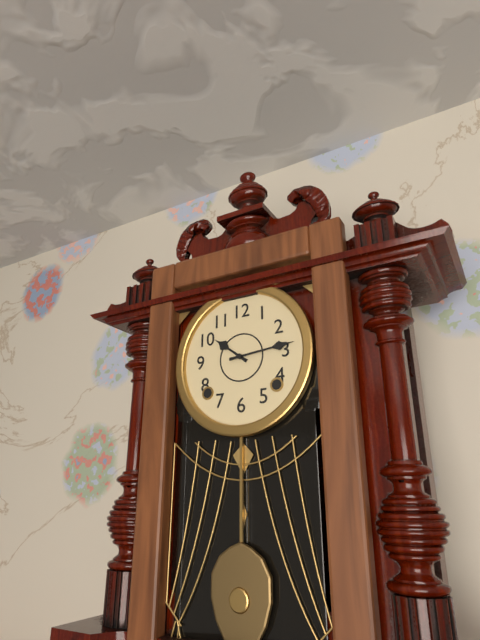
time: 10:14
